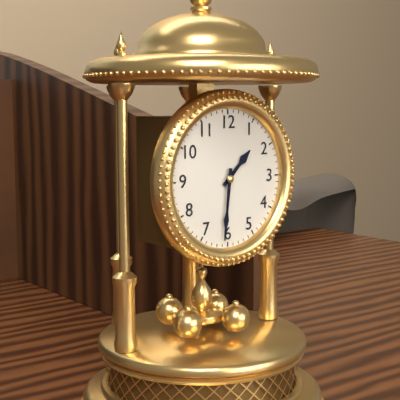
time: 1:31
